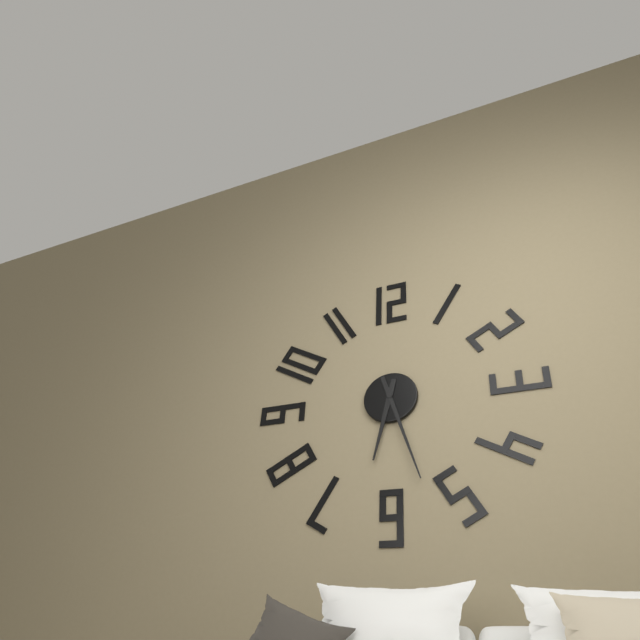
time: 6:27
